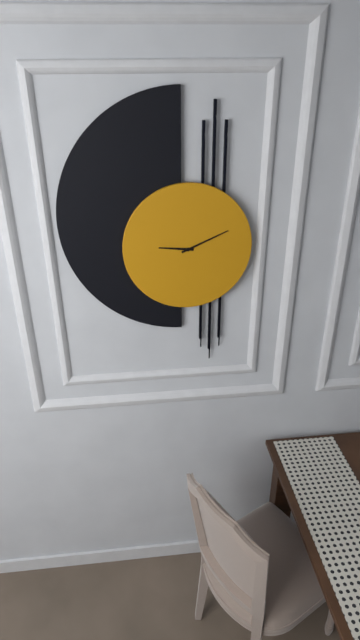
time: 9:11
